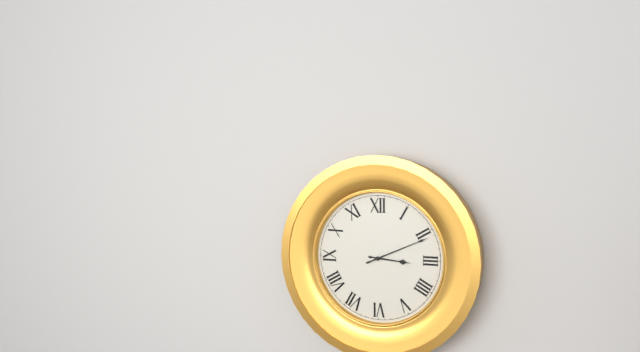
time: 3:11
